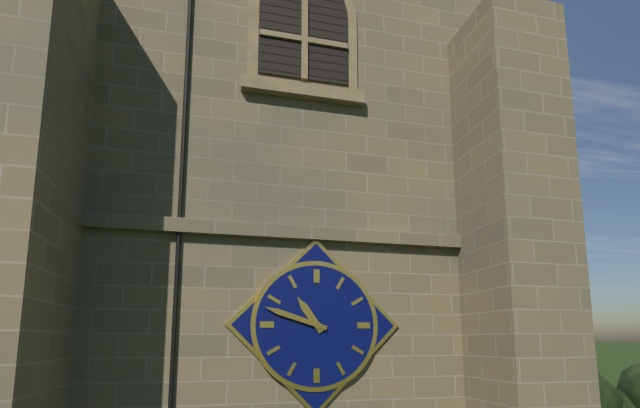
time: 10:48
